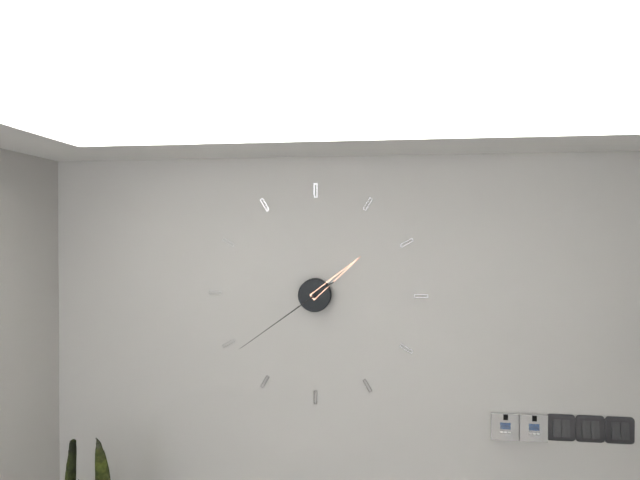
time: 1:39
